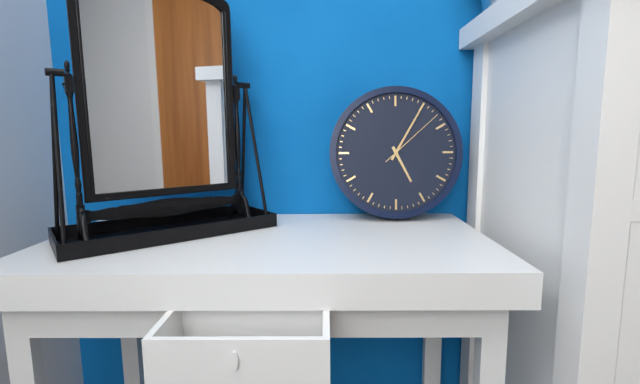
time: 5:05:08
